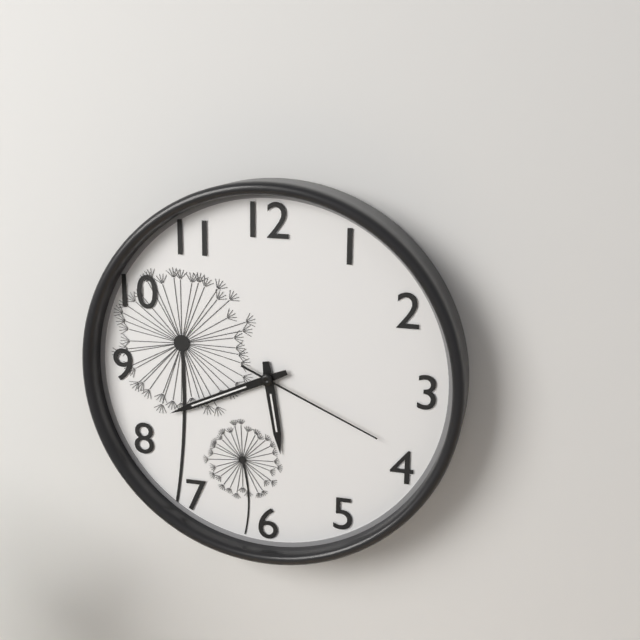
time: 5:41:19
